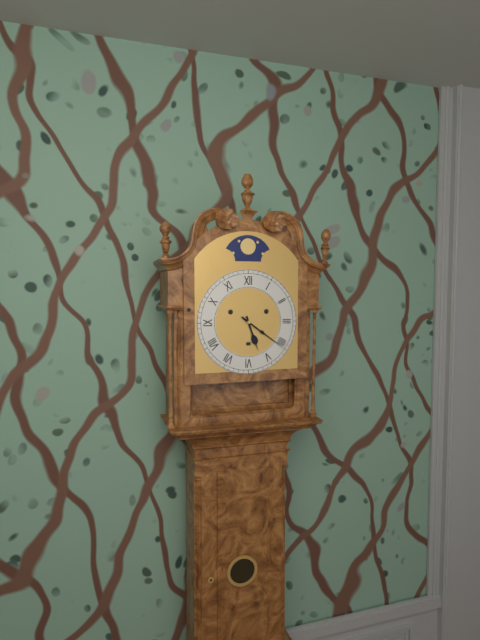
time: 5:21
